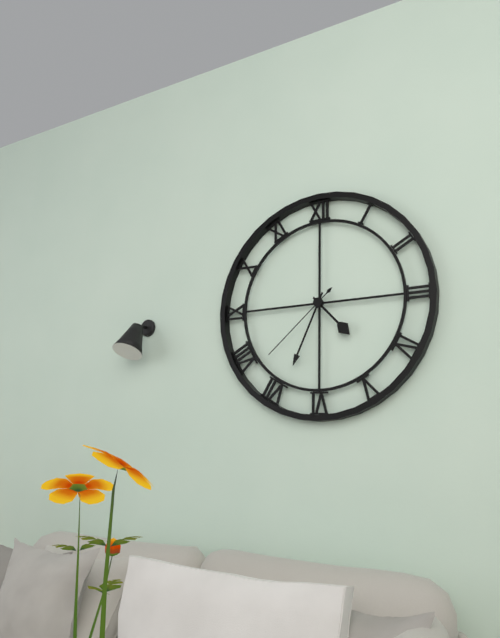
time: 4:34:38
